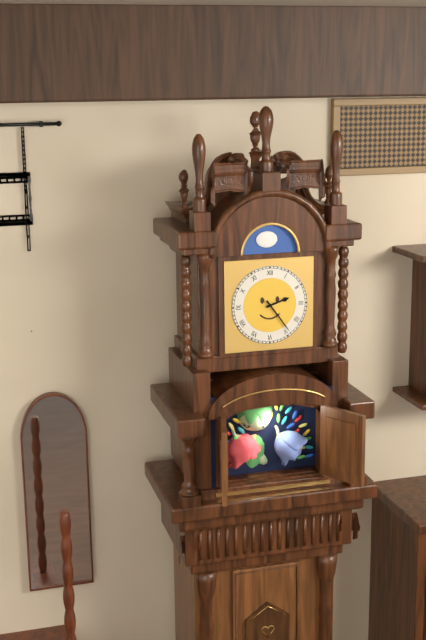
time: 2:24
